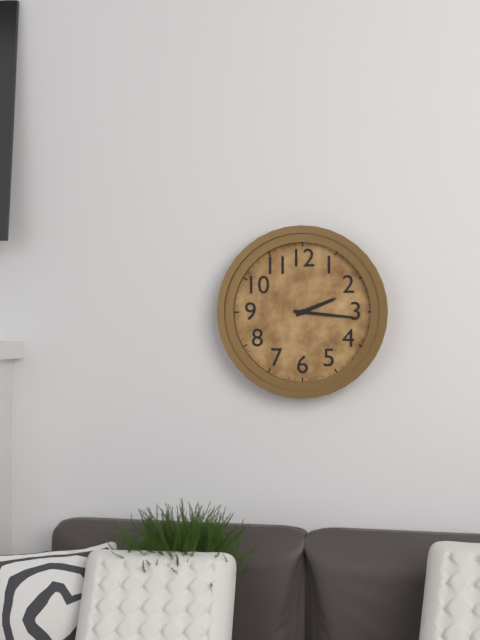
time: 2:16
